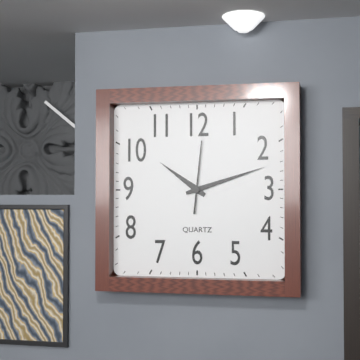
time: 10:12:01
